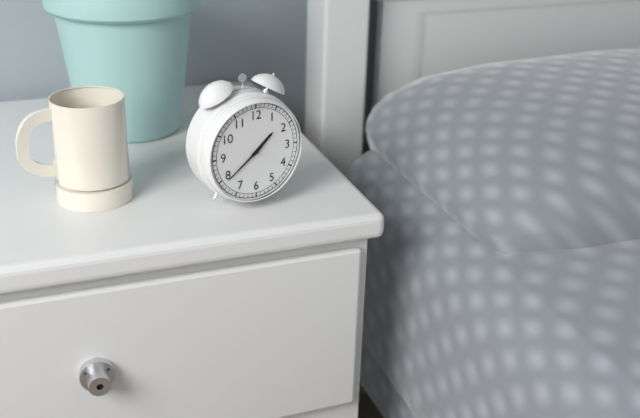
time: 1:39
